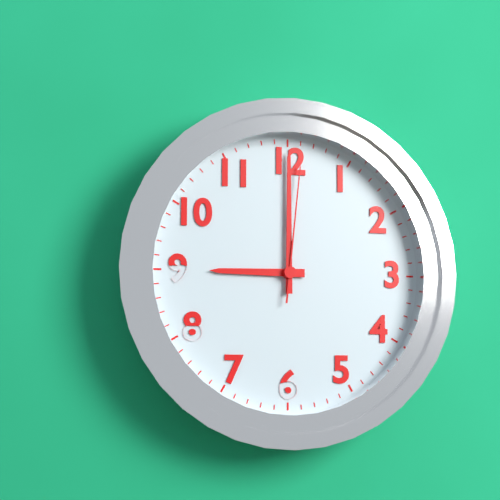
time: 9:00:01
